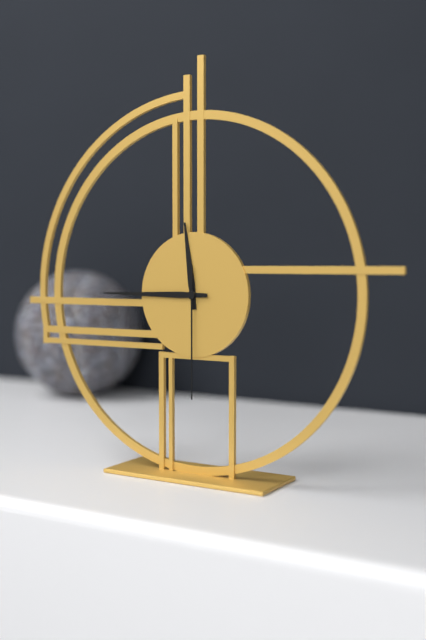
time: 11:45:30
